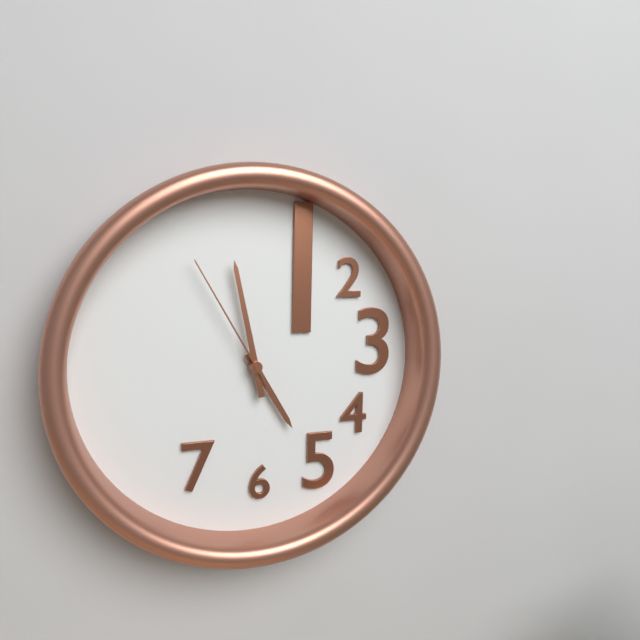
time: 4:58:55
